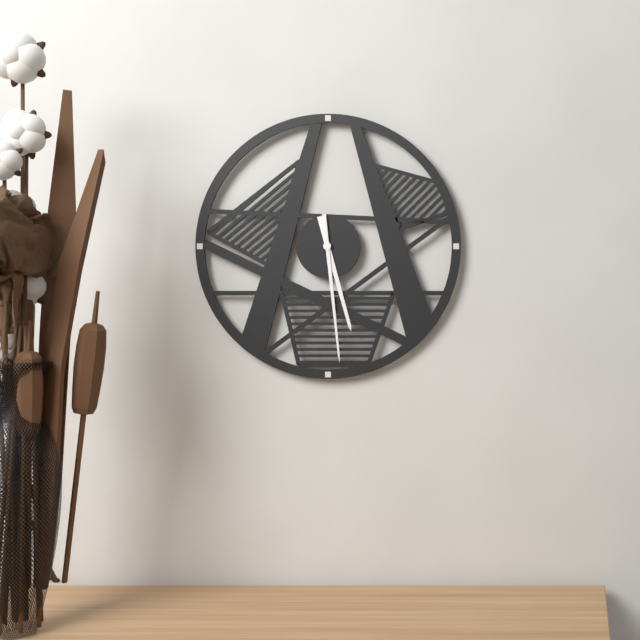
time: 5:29
